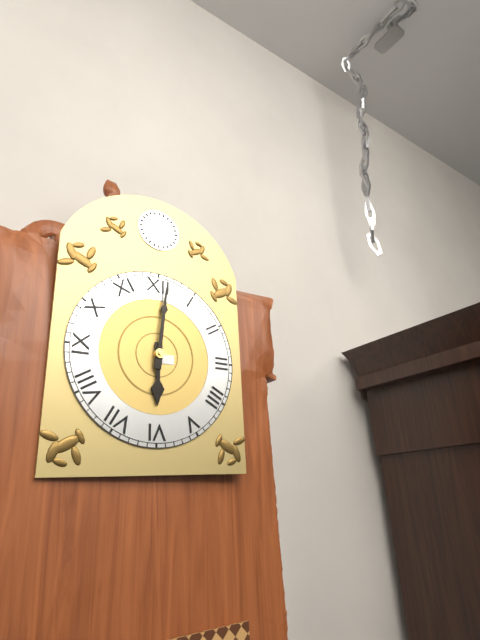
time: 6:01
